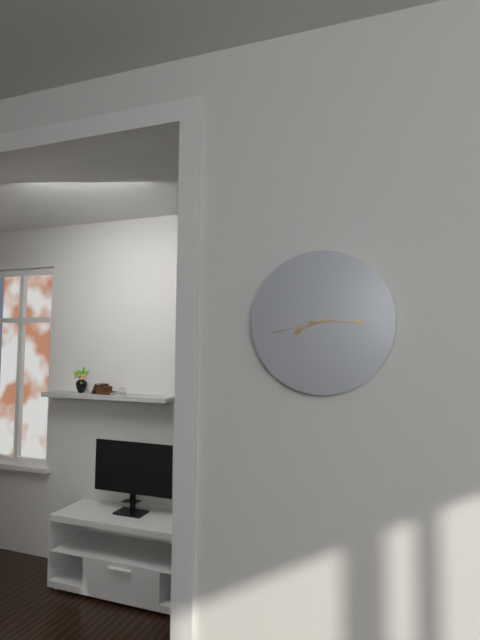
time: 8:15:43
